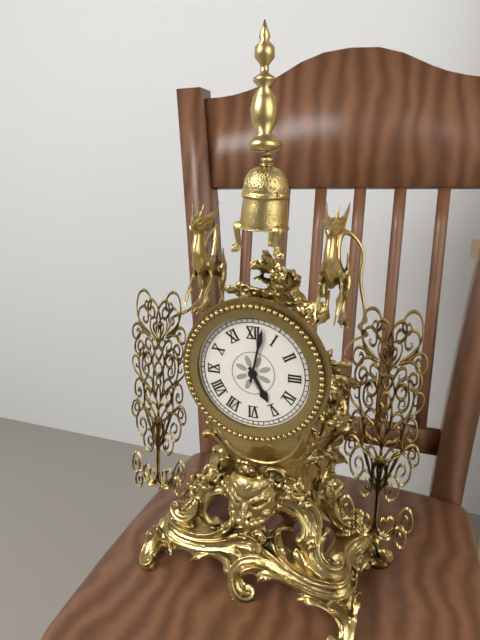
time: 5:02
